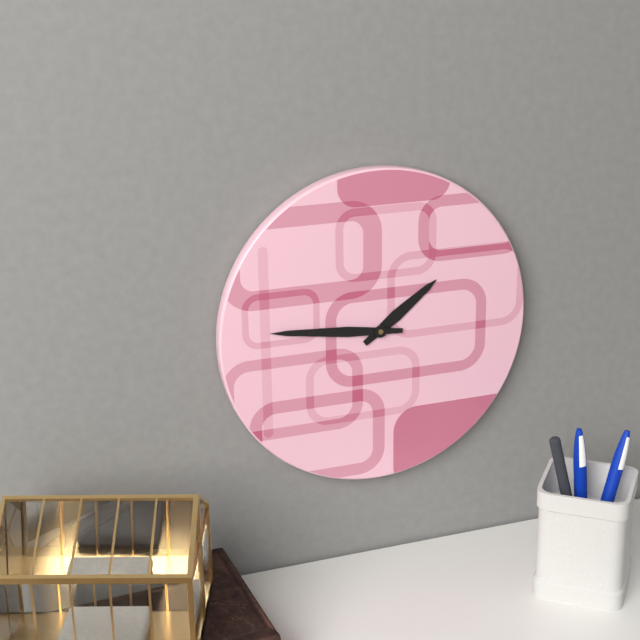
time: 1:46
